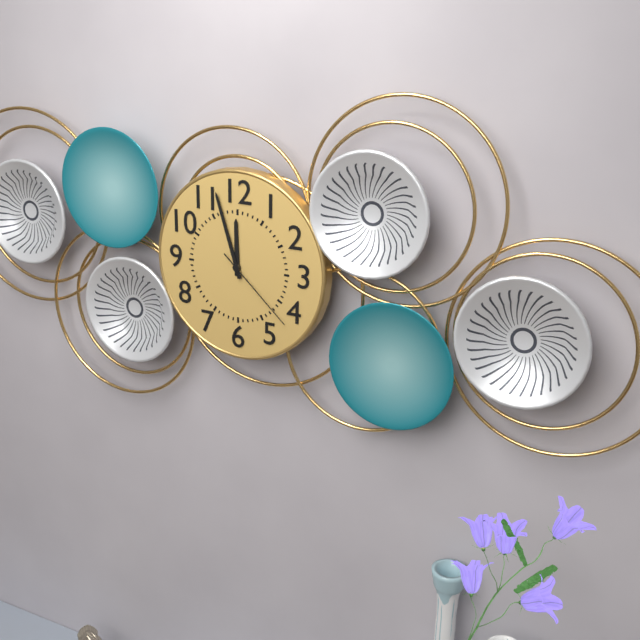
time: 11:57:22
